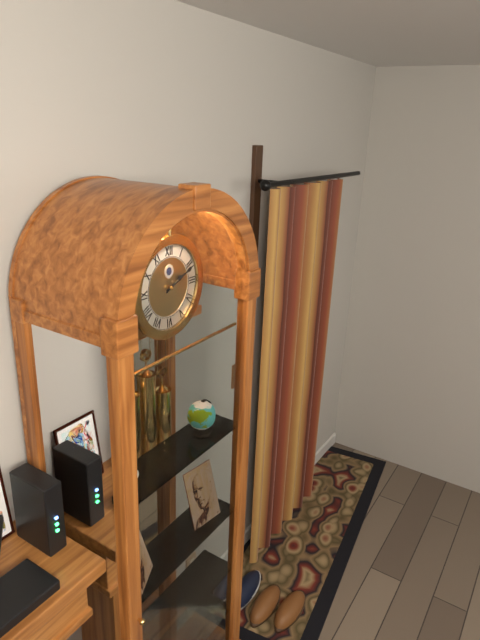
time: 2:11
